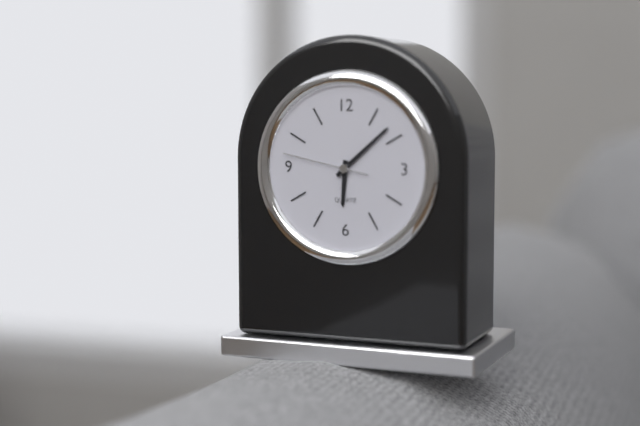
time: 6:08:47
